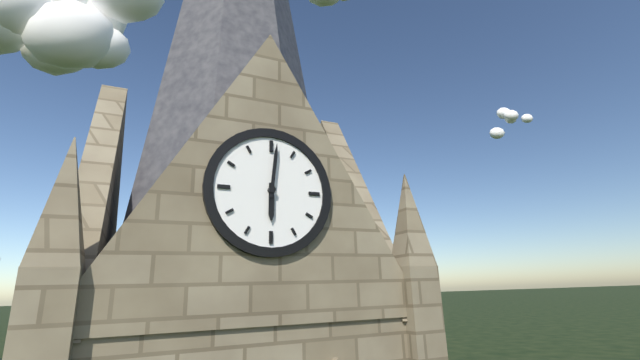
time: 6:01
